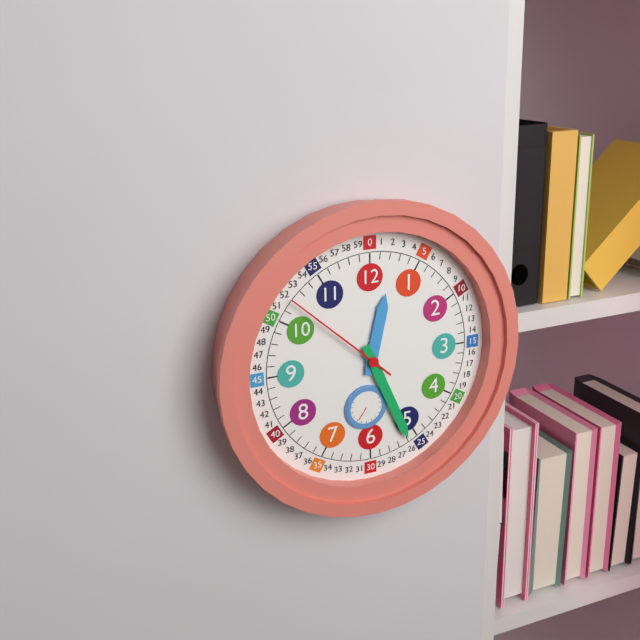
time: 12:26:52
